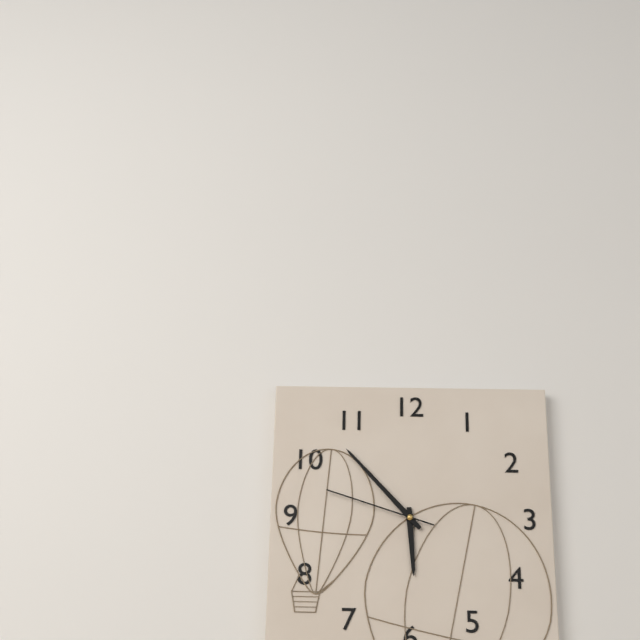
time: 5:53:48
